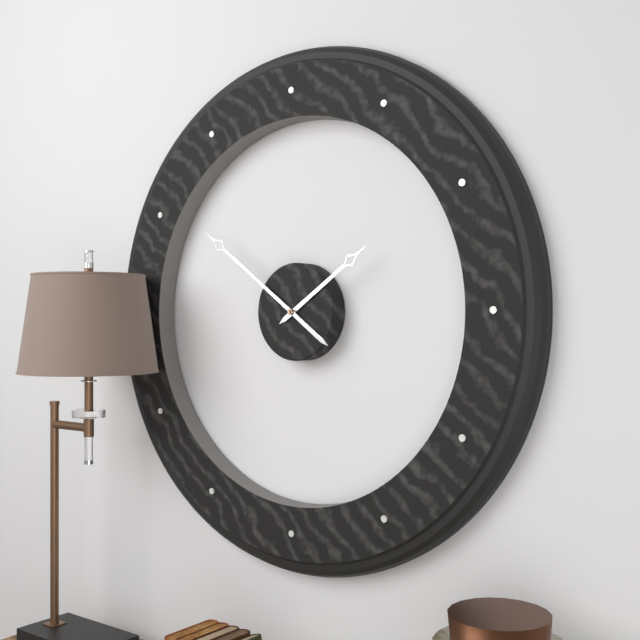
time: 1:51
